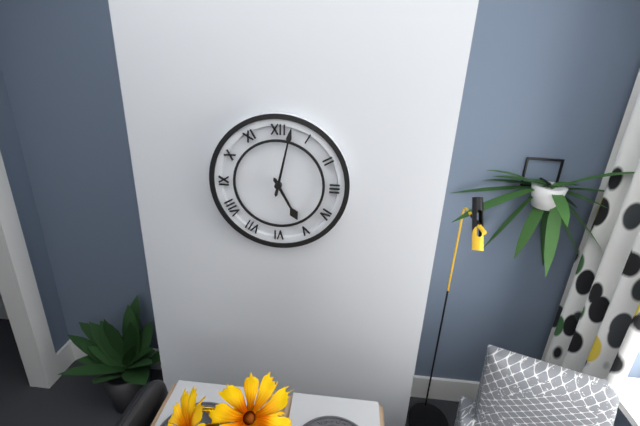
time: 5:02
